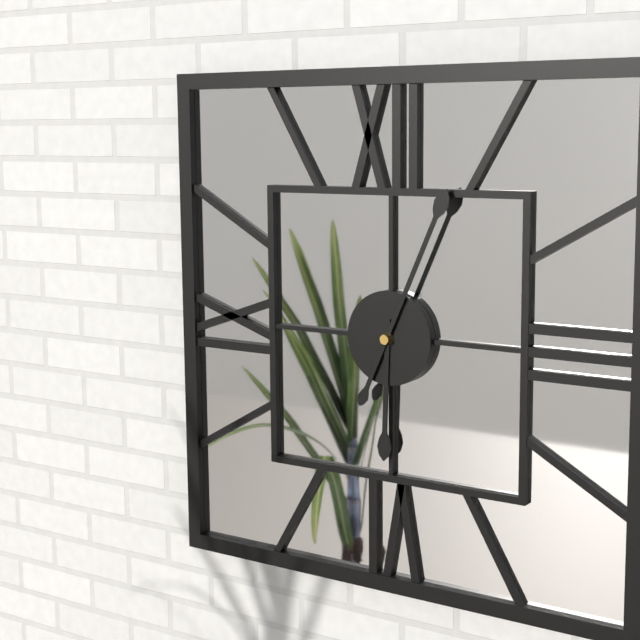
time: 6:04
